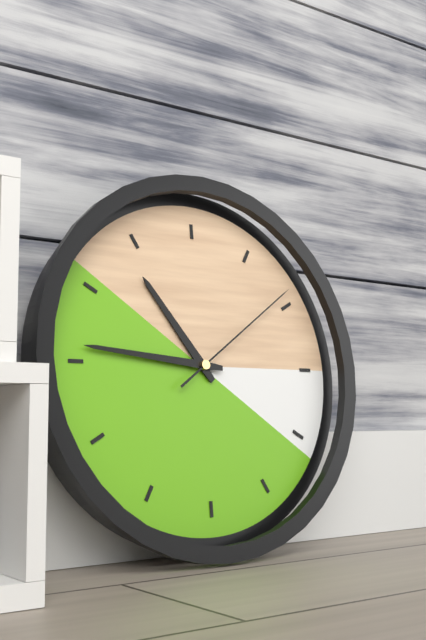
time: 10:46:09
